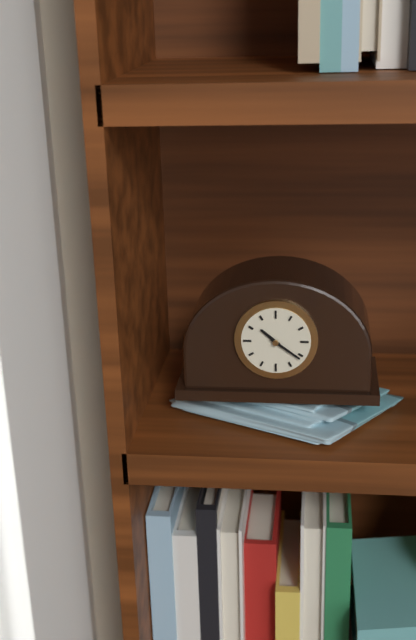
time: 10:21
